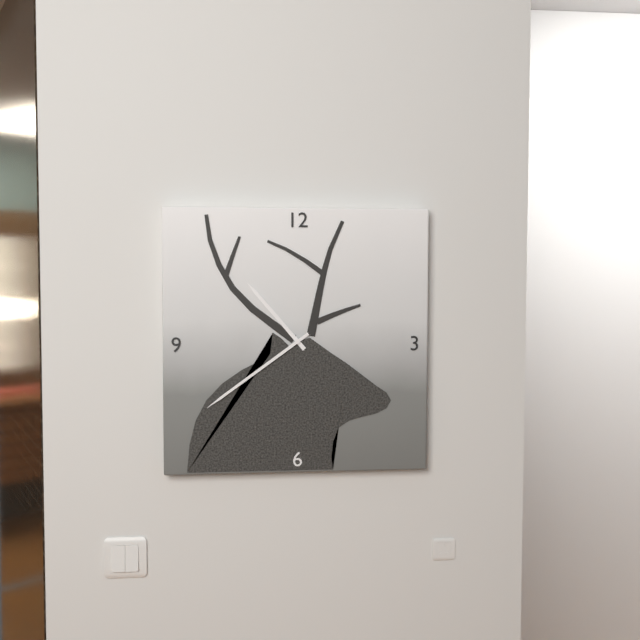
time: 10:39
